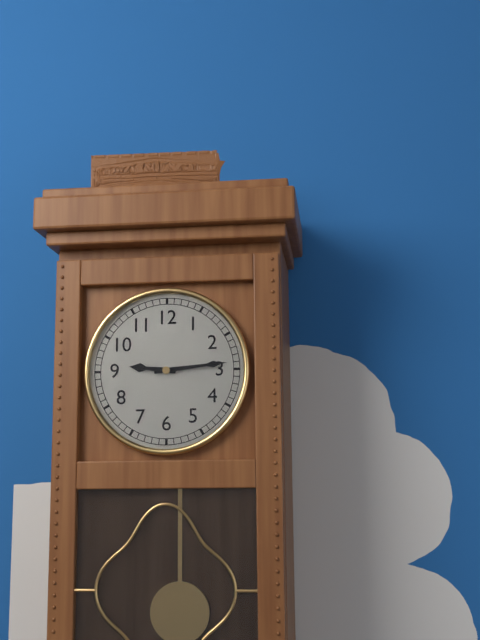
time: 9:14
